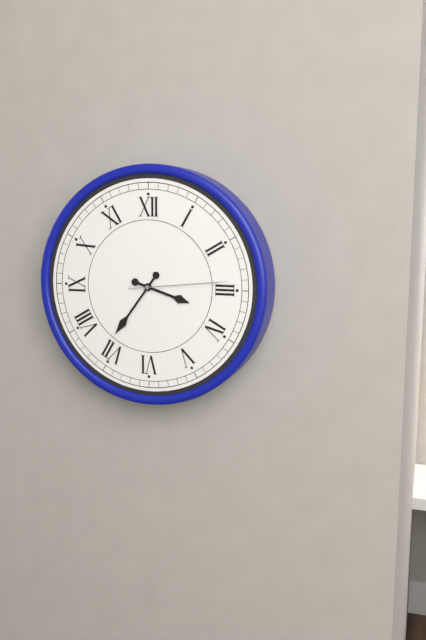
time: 3:36:14
